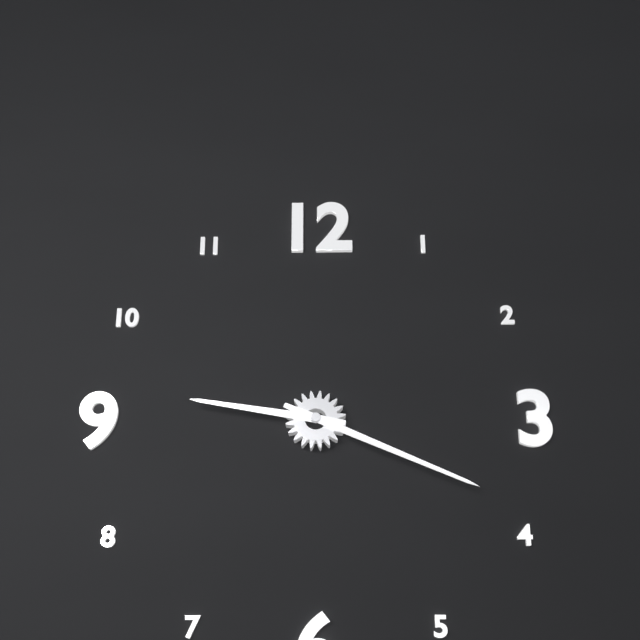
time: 9:19
